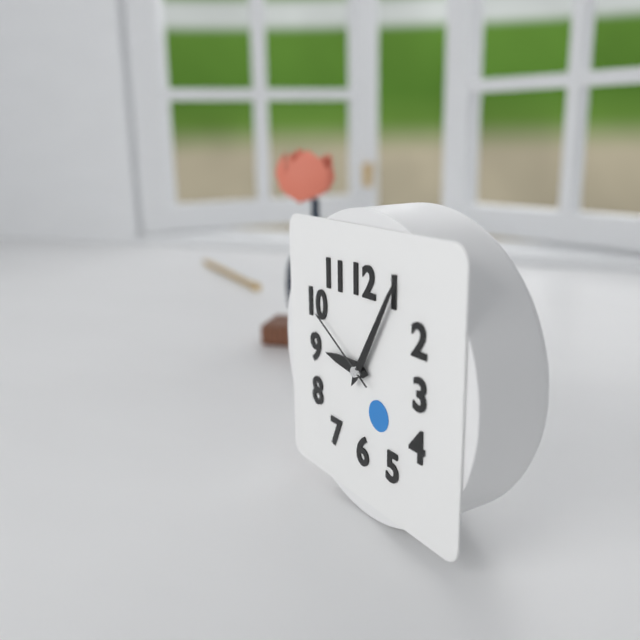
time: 9:05:50
